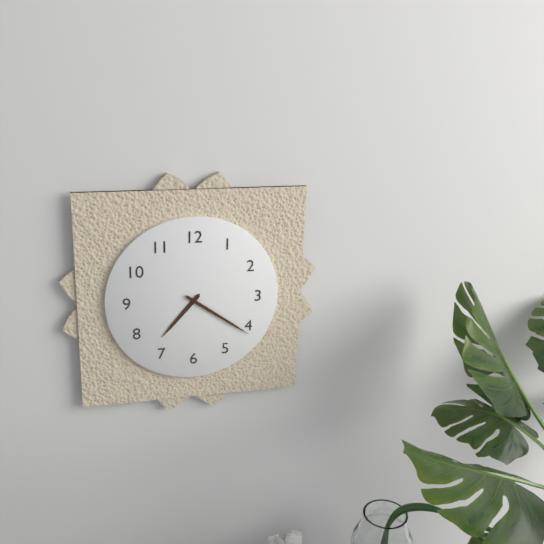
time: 7:21
